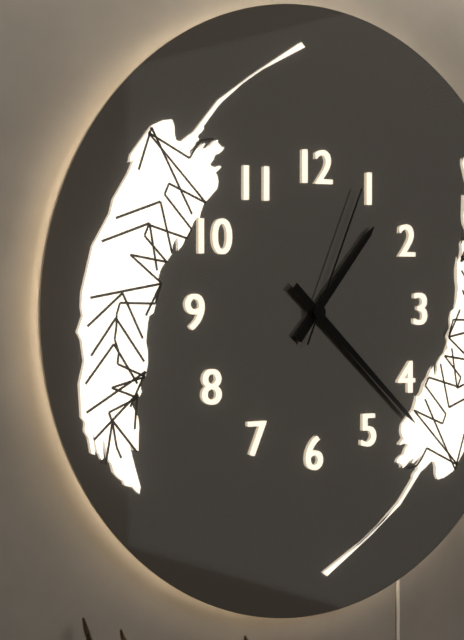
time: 1:22:04
